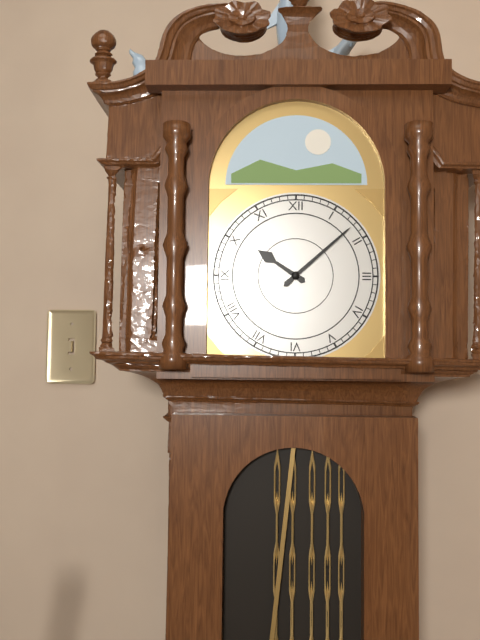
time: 10:08
